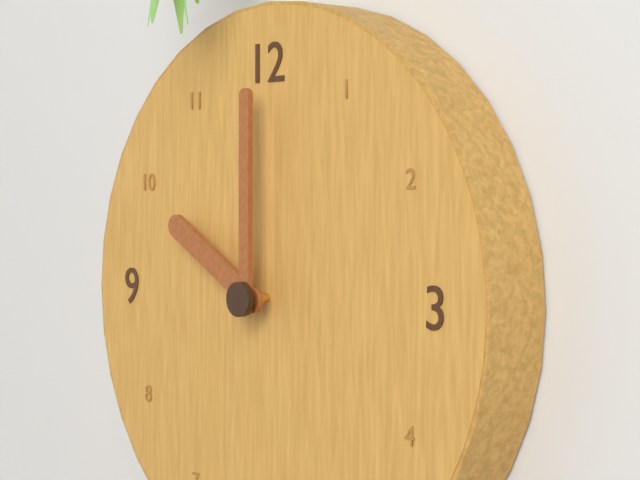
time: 10:00
